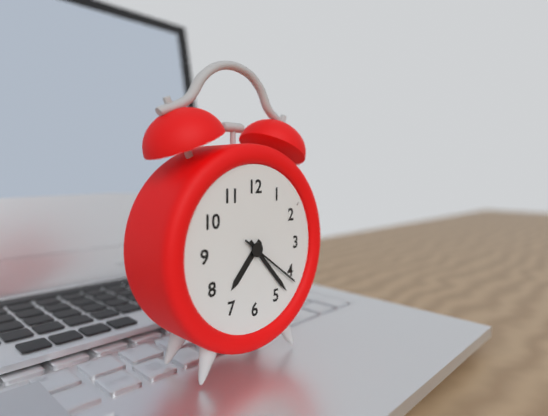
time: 7:23:21
